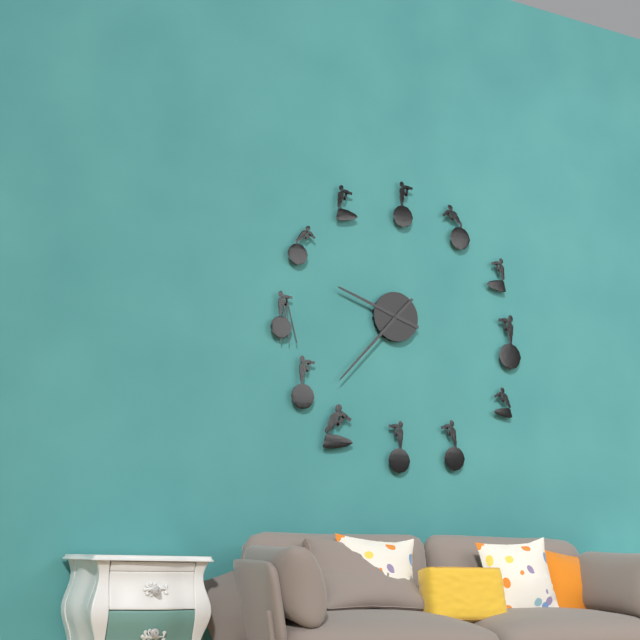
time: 9:37
